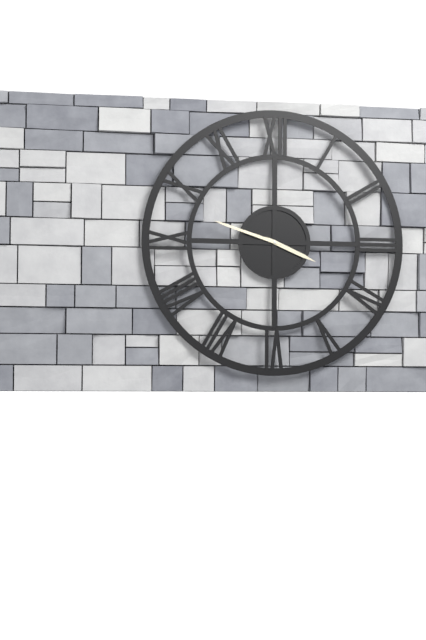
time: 3:48
